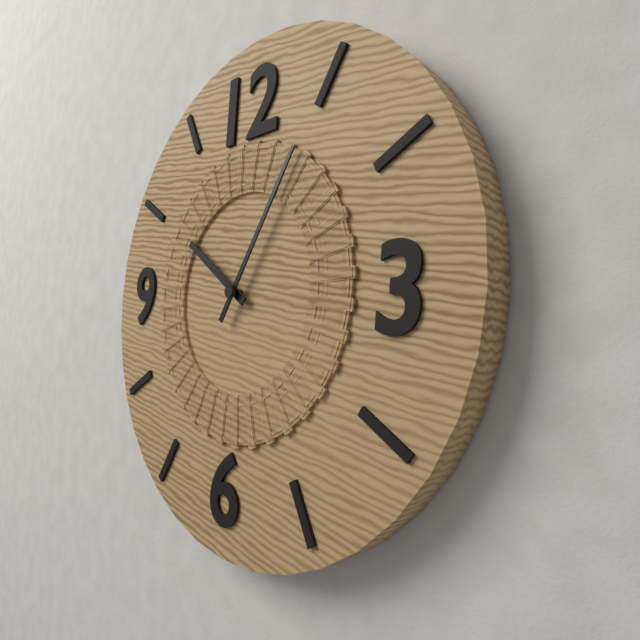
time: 10:05
